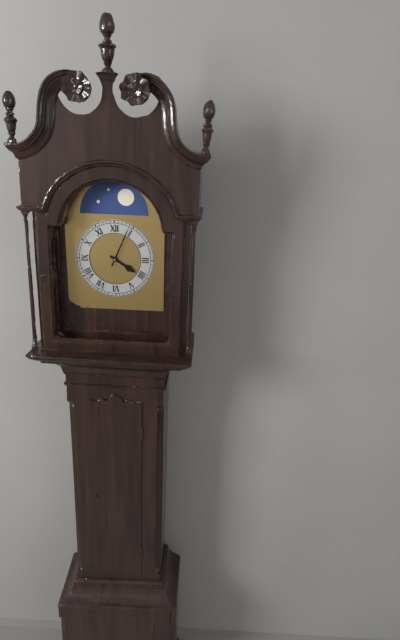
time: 4:04
